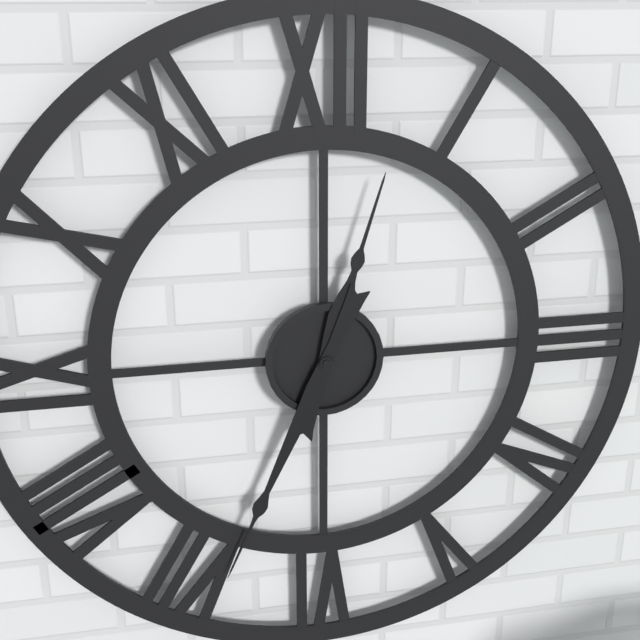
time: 12:34
